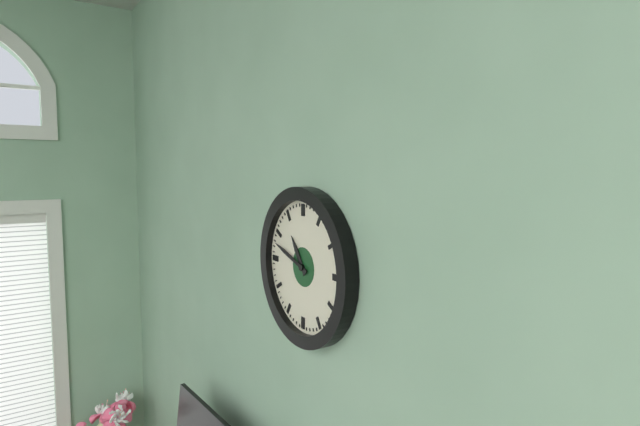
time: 10:48
